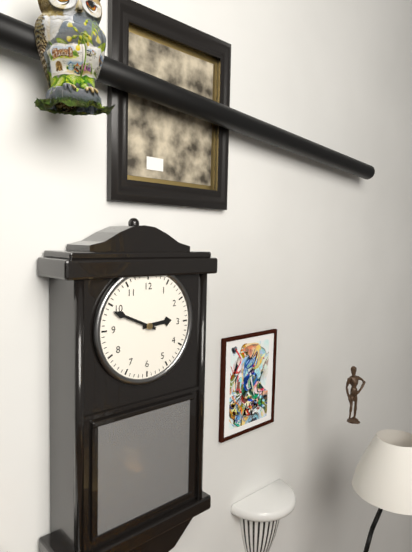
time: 2:49
